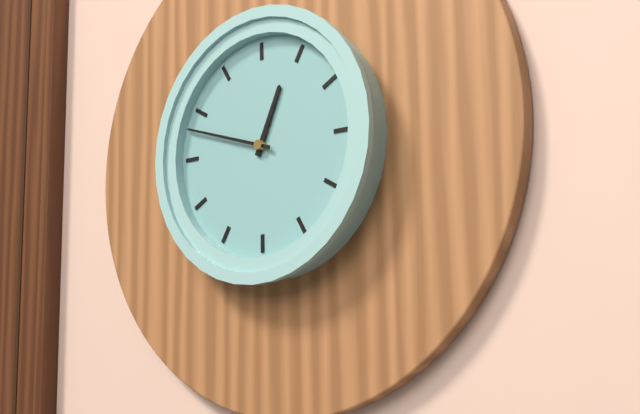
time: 12:48
